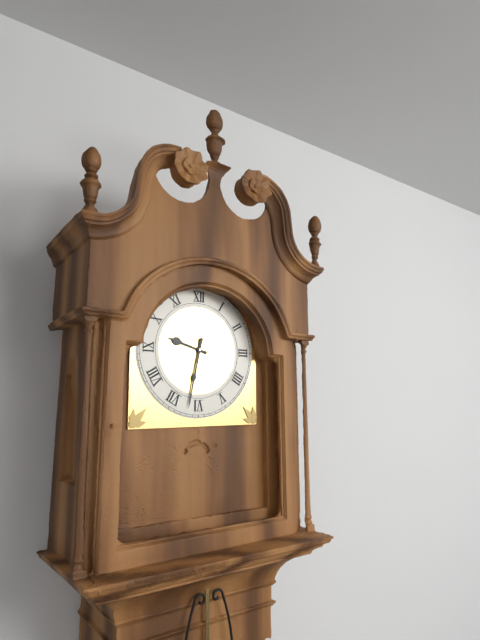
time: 9:32
